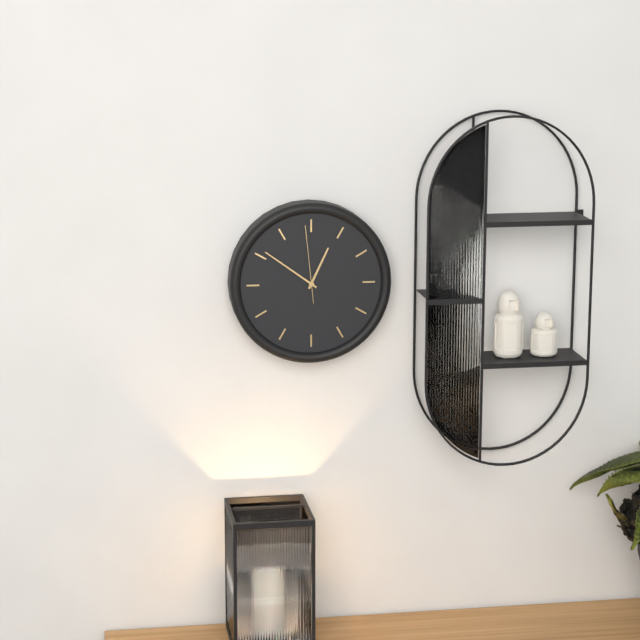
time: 12:51:59
